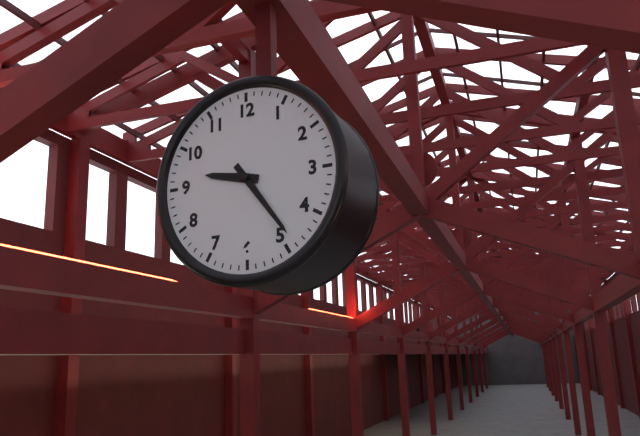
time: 9:24
